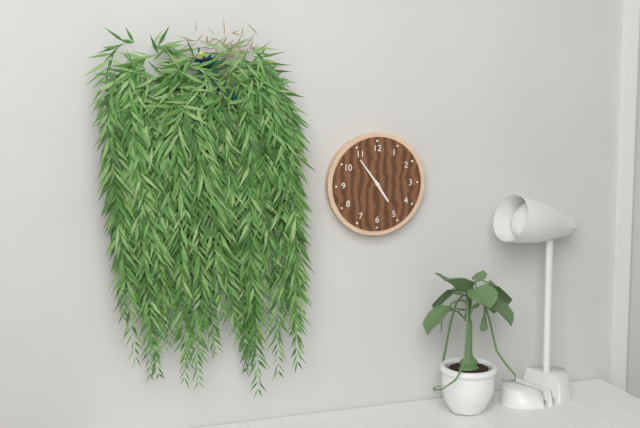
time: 4:54
